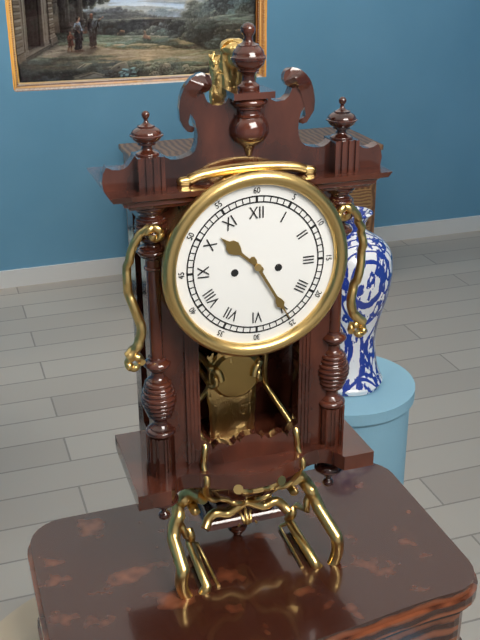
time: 10:25
